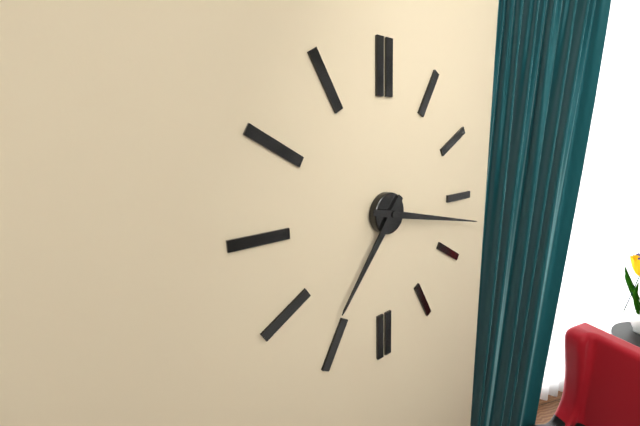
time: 7:17
